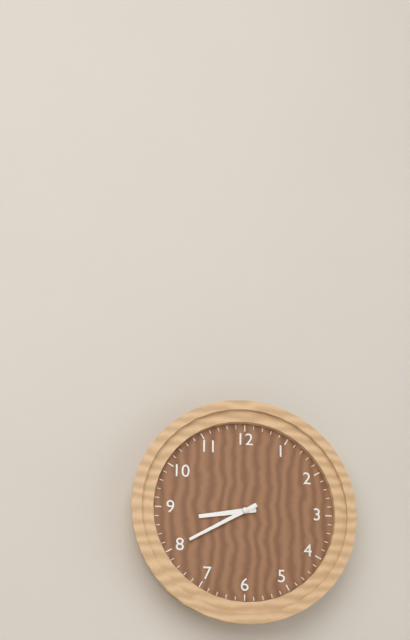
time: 8:40
